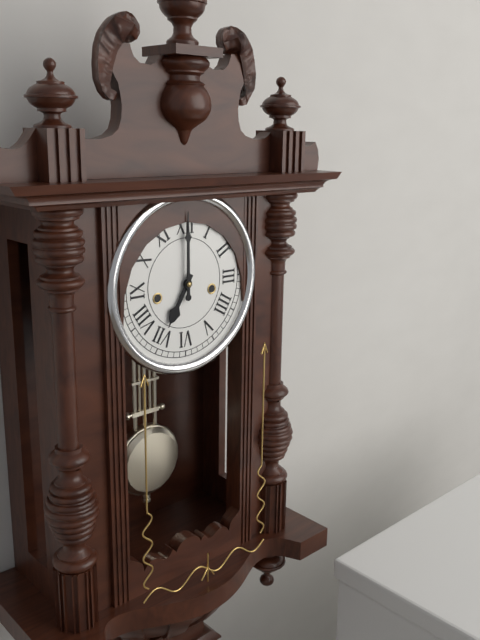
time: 7:00
